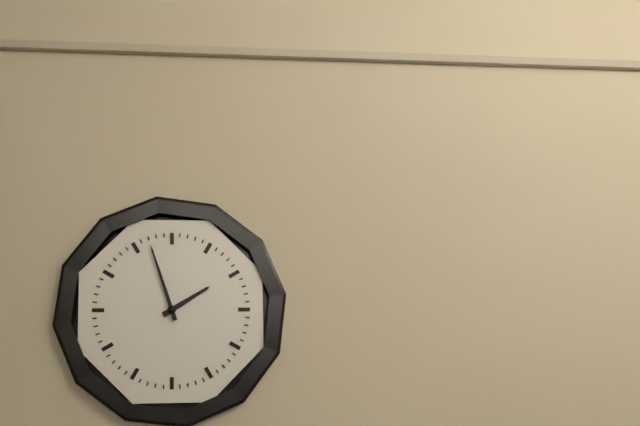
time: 1:57
